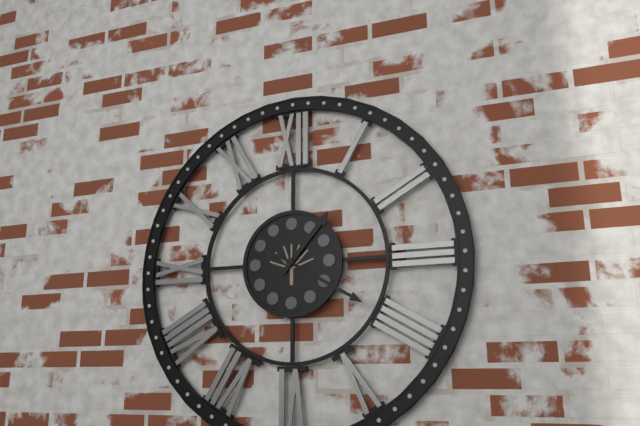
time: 1:20
